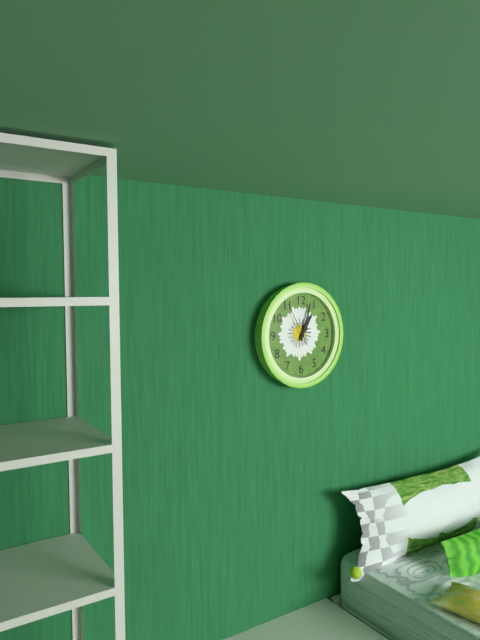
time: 1:03
